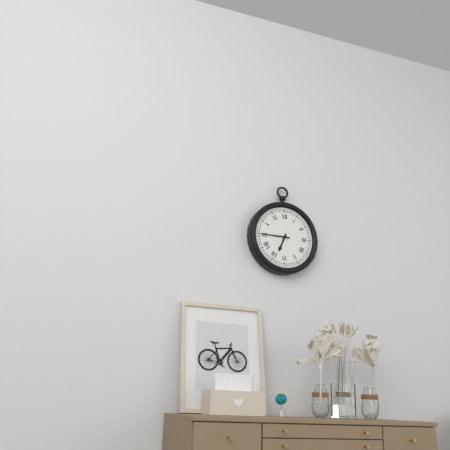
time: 6:45
